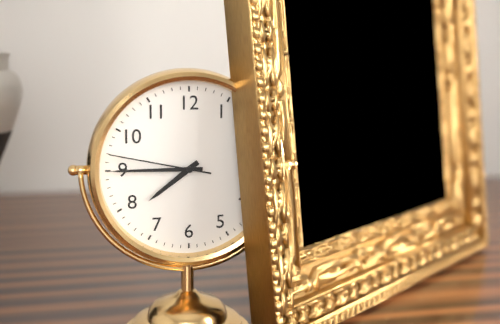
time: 7:45:47
